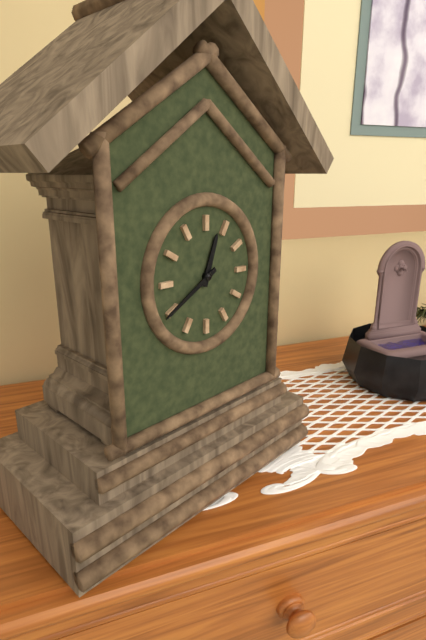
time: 12:40
